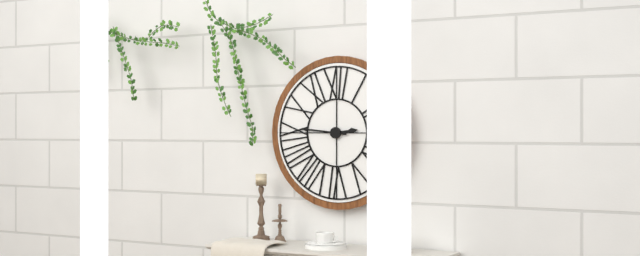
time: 2:46
